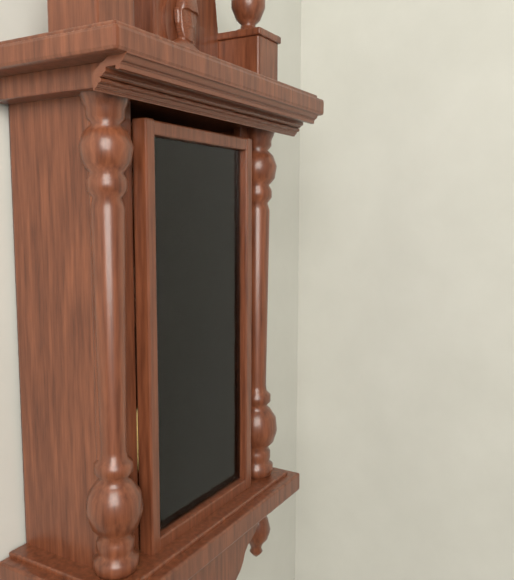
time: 2:10
